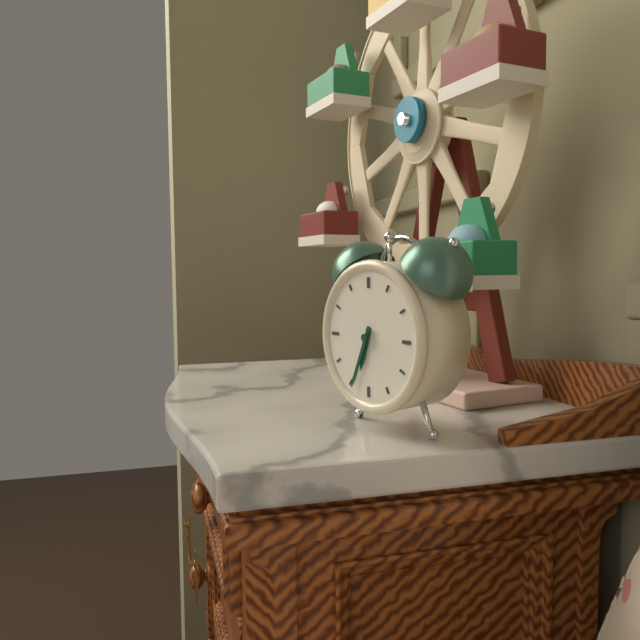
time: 6:34
